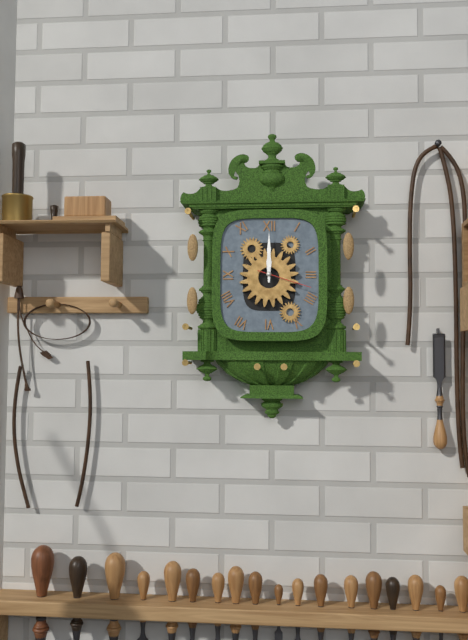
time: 12:00:18
